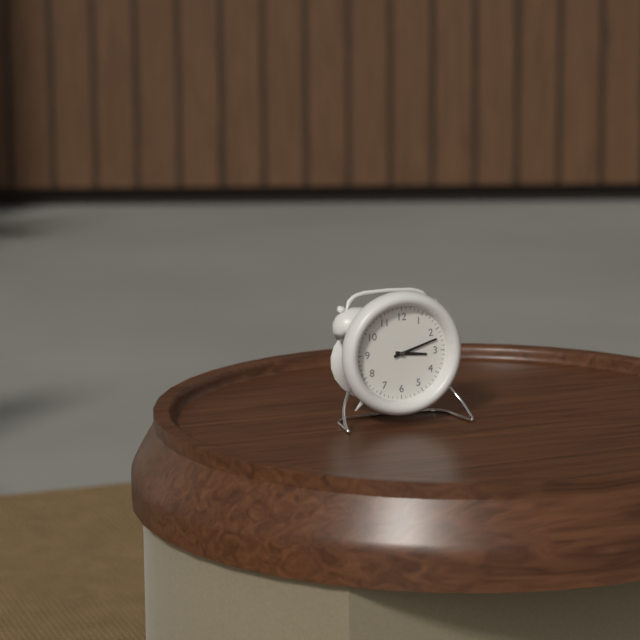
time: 3:12
